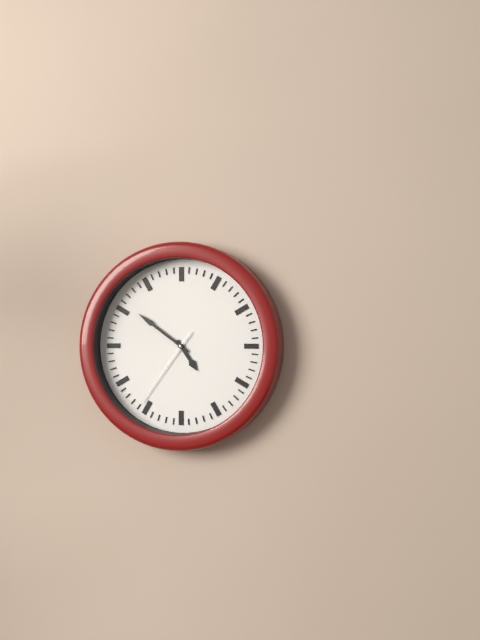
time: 4:51:36
